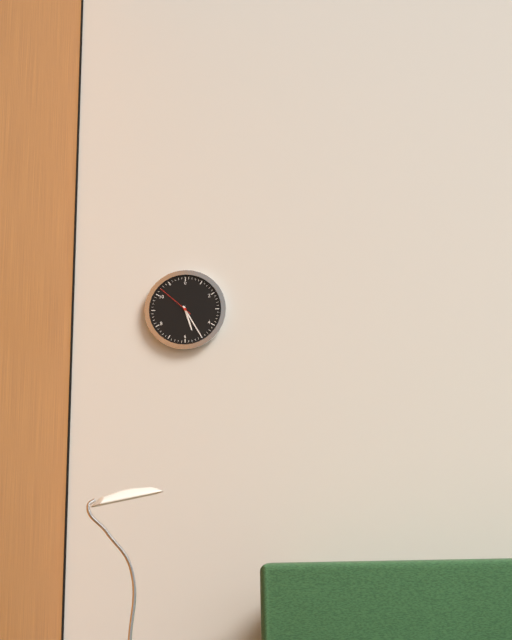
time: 5:25
